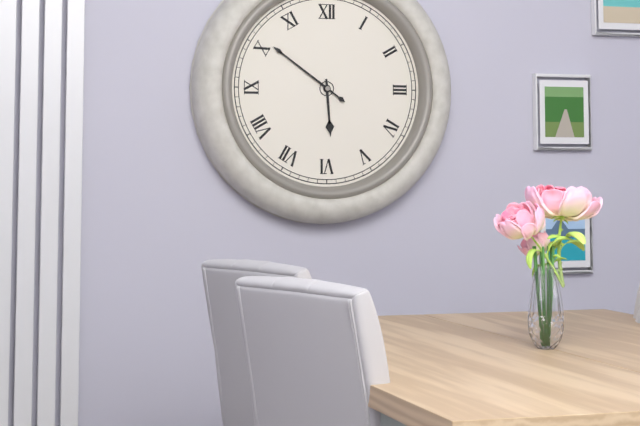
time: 5:51
